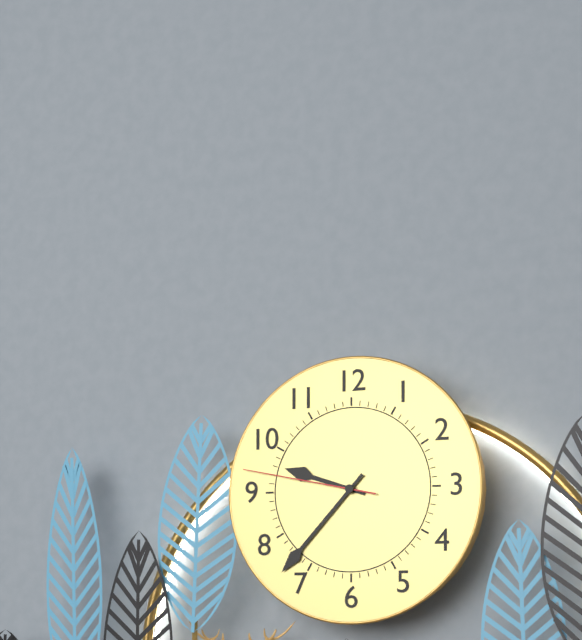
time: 9:37:47
